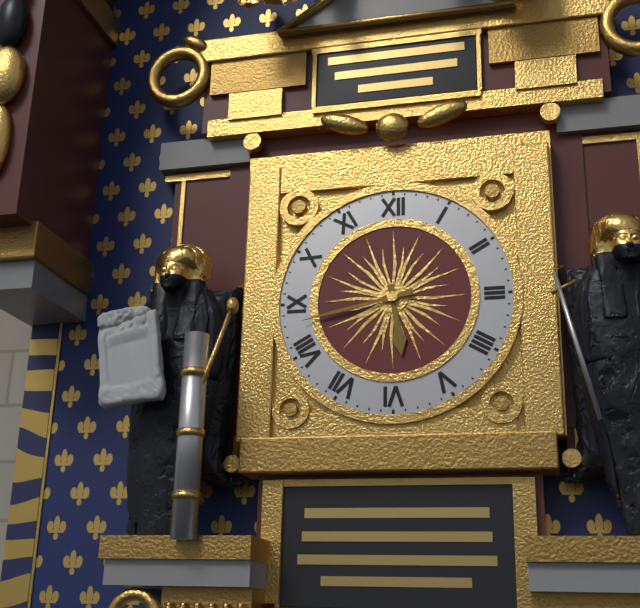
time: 5:43
